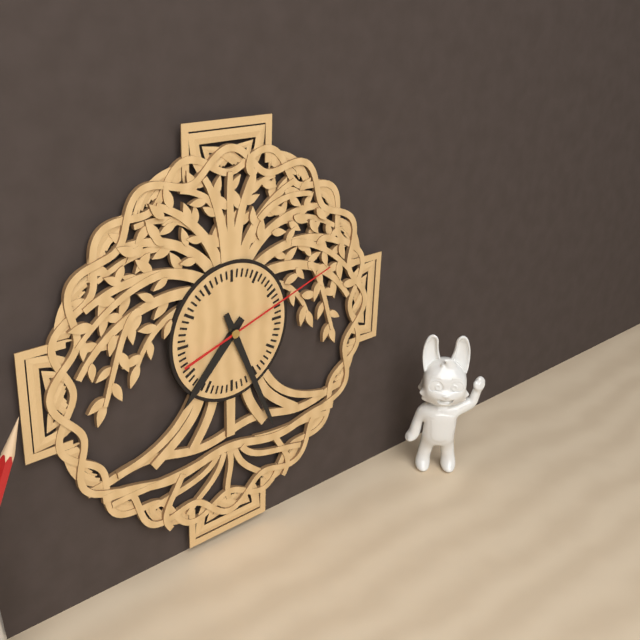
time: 7:26:12
